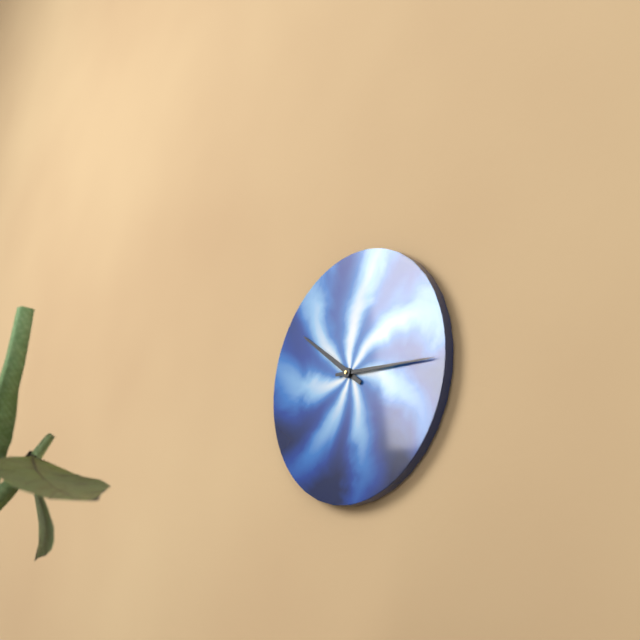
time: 10:16
